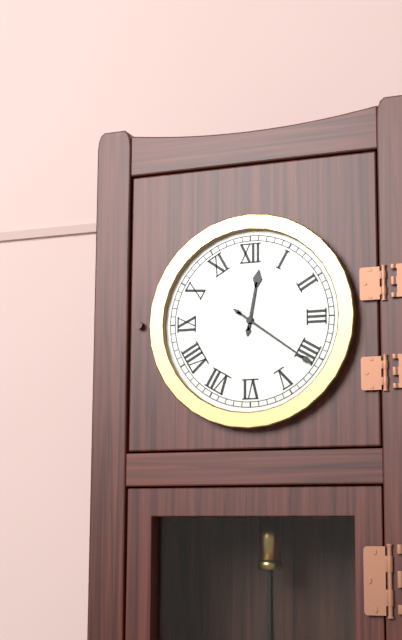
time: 12:21
